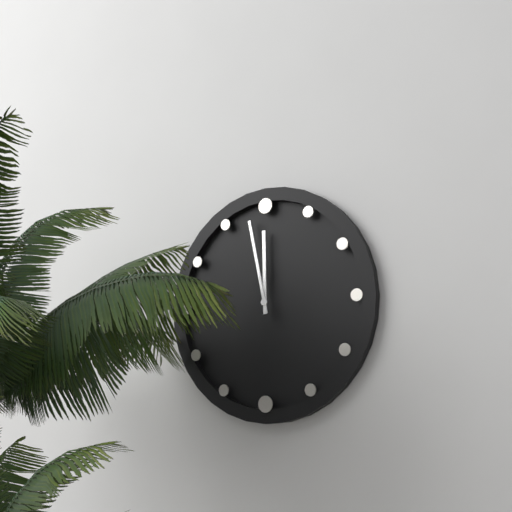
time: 11:58
